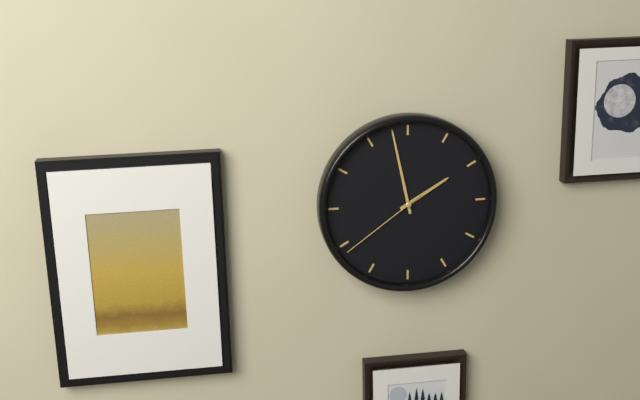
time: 1:58:39
